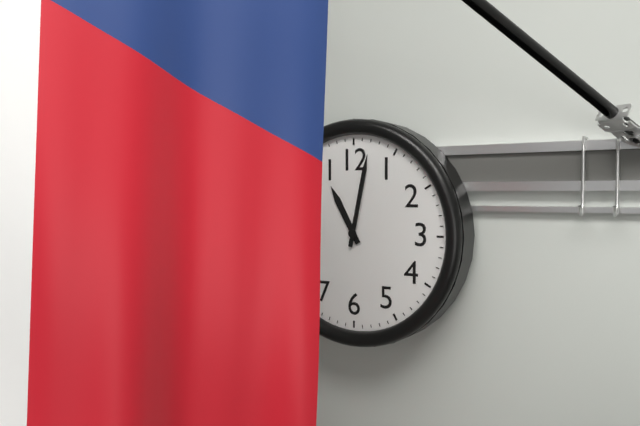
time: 11:02
